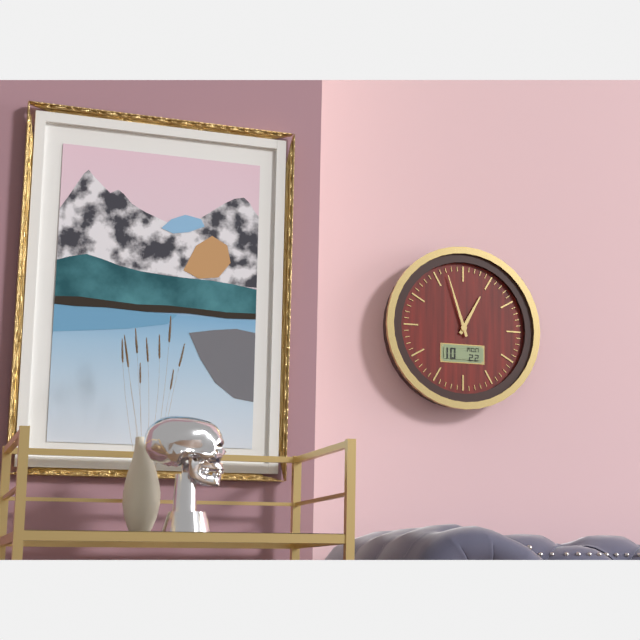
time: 12:57
